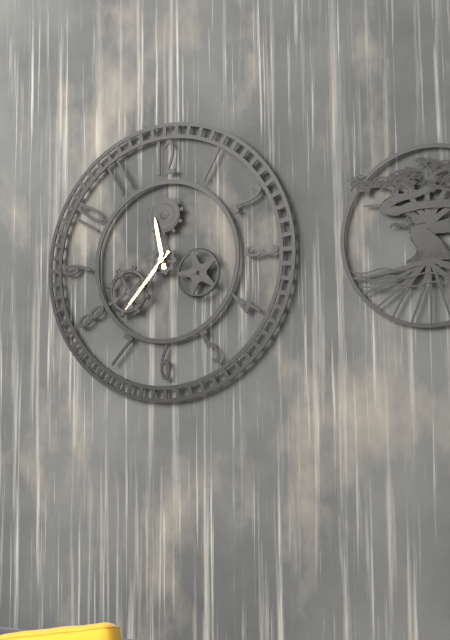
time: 11:37:35
